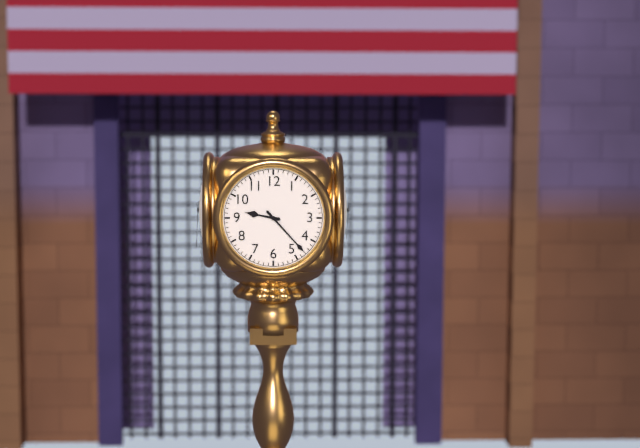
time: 9:23
